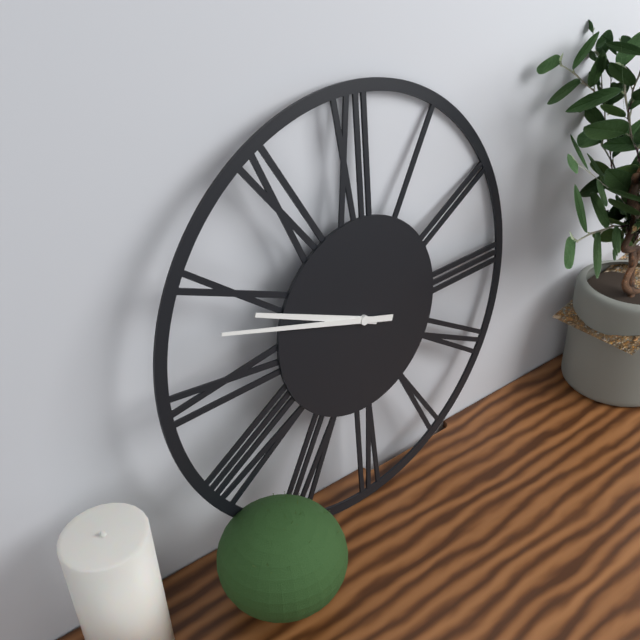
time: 9:48
